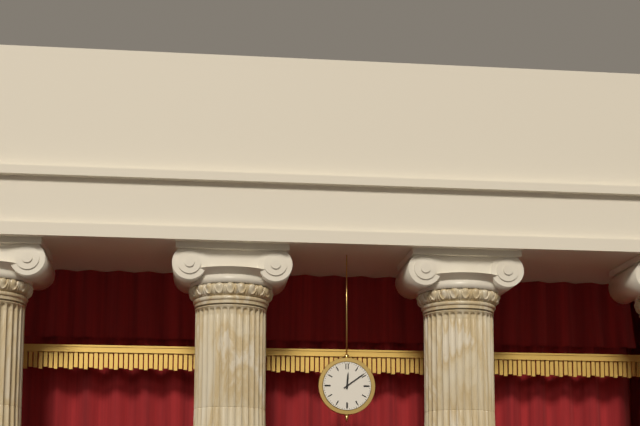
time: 12:09
